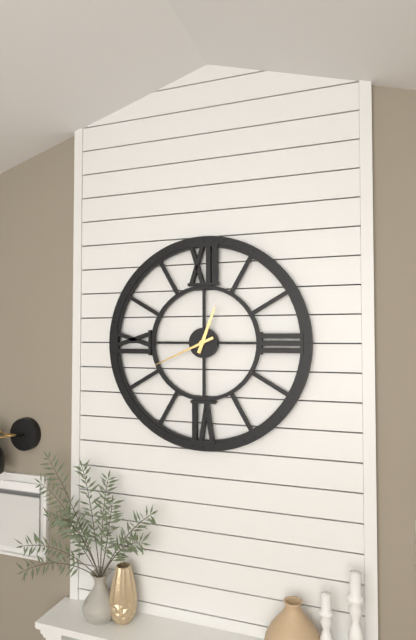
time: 12:41
